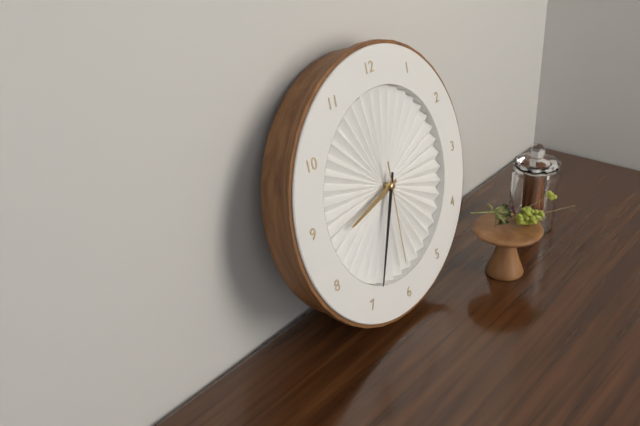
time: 8:34:30
